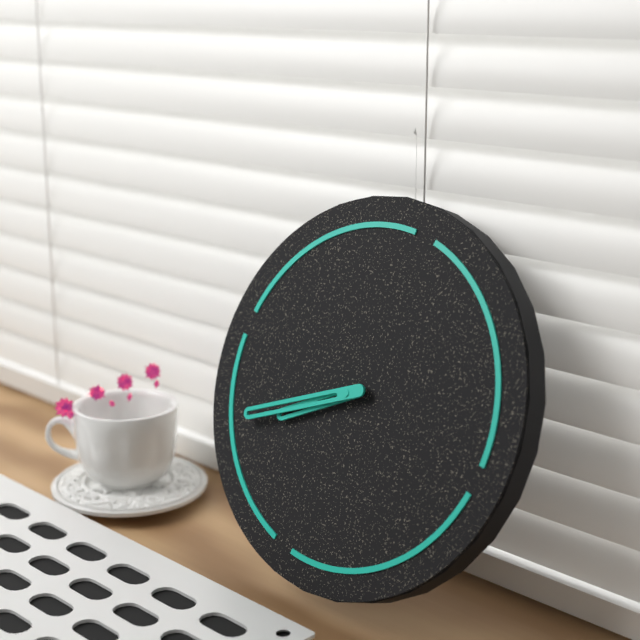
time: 7:39
